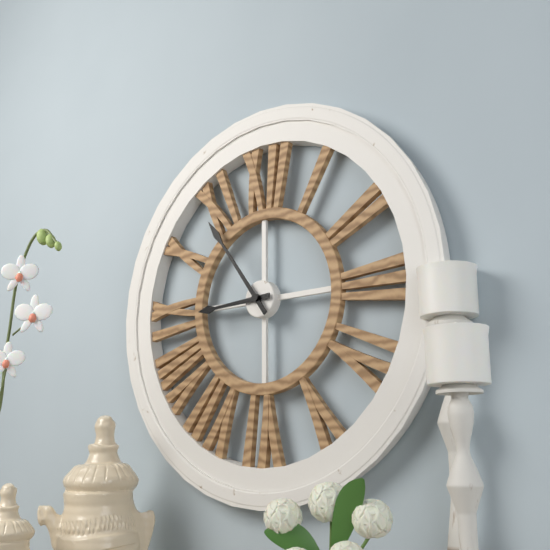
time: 8:54
